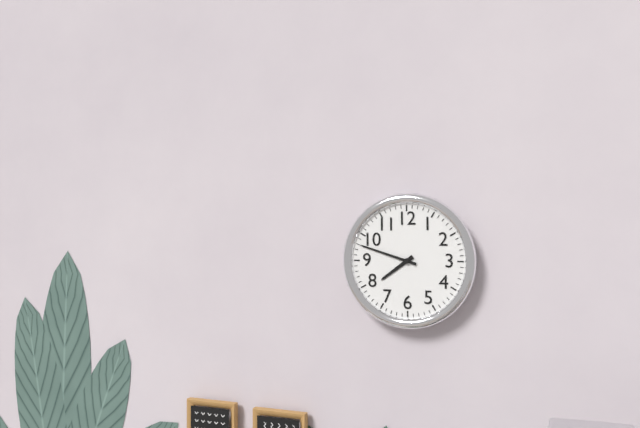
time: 7:48
